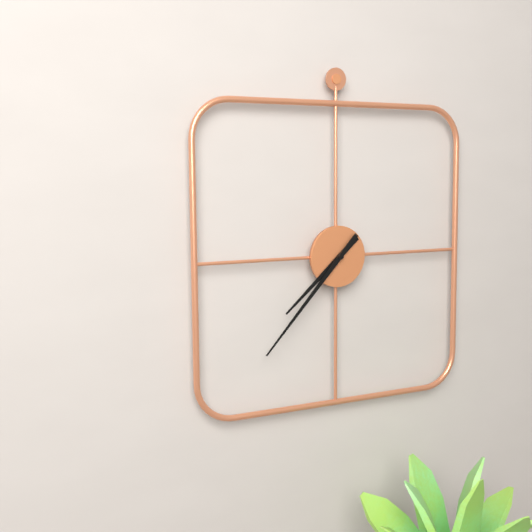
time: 7:37
